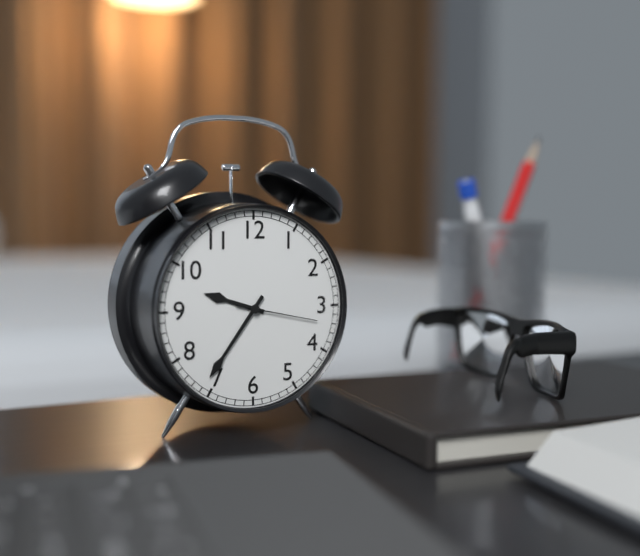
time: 9:36:17
